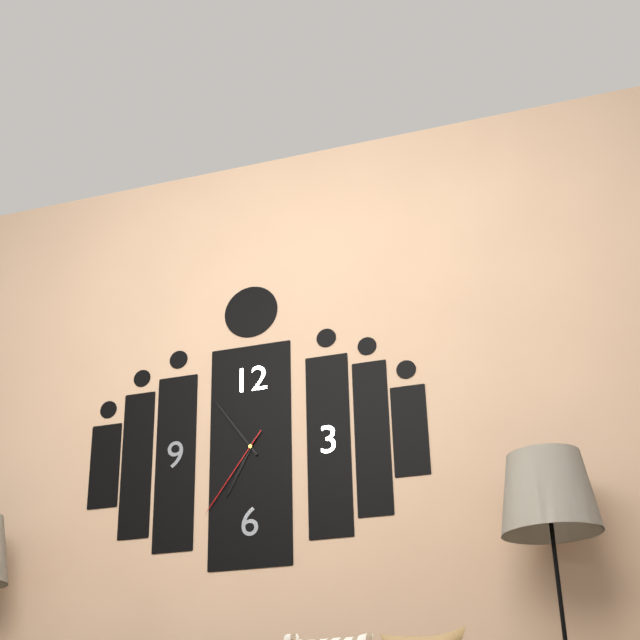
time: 6:54:36
